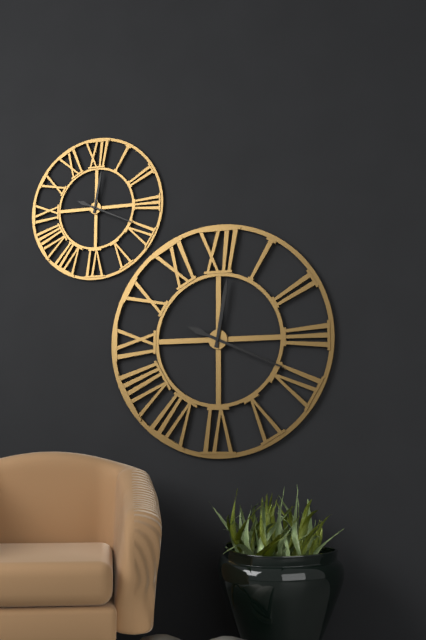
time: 12:19
